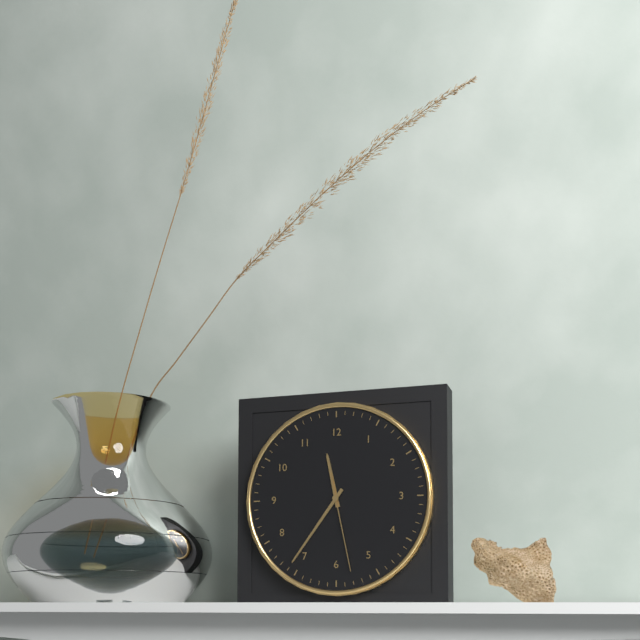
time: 11:36:28
